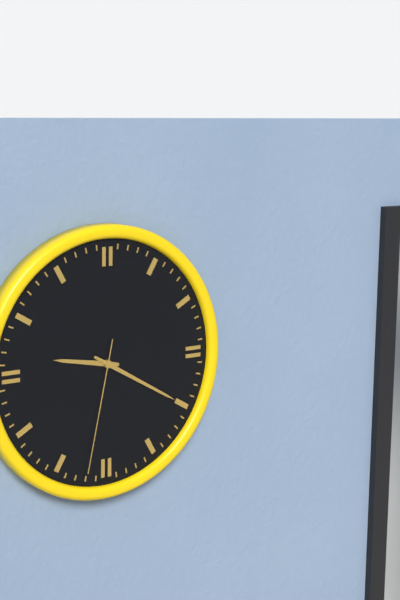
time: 9:20:32
